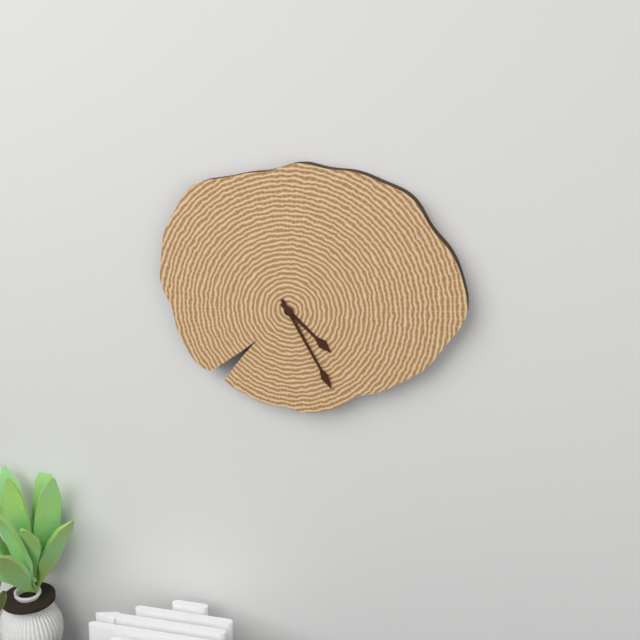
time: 4:25
